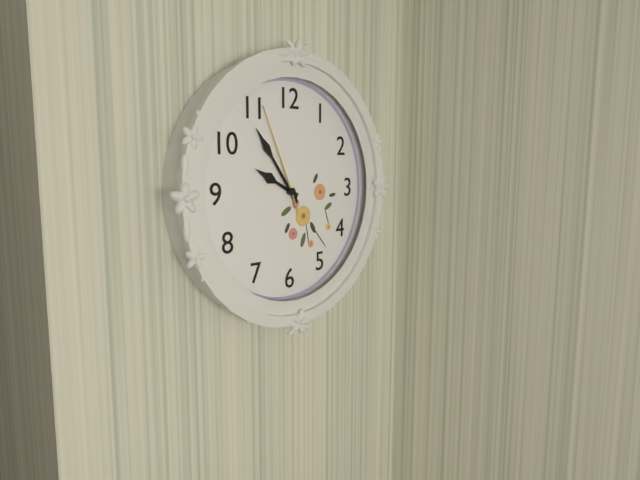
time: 9:54:56
